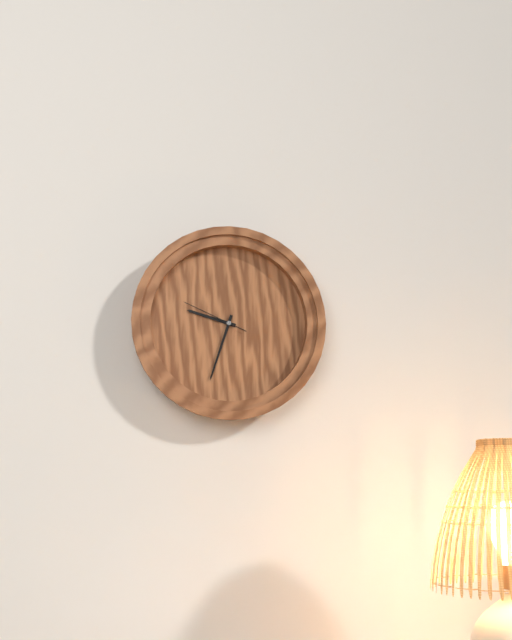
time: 9:33:49
